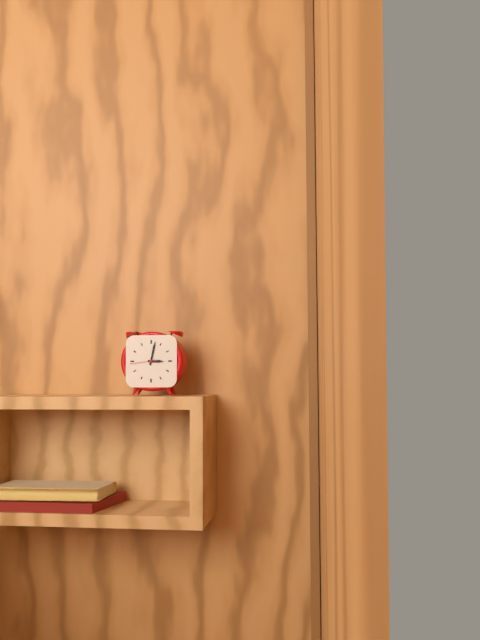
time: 3:02
